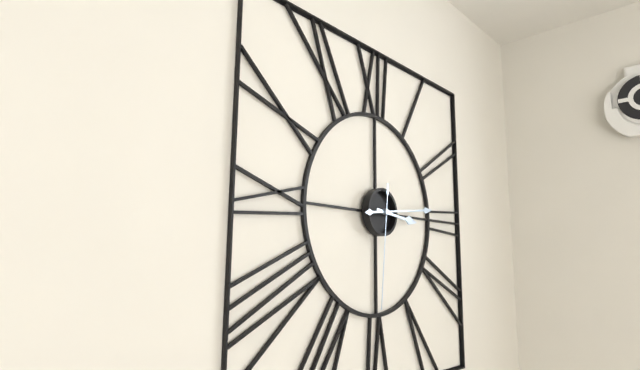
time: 3:14:31
